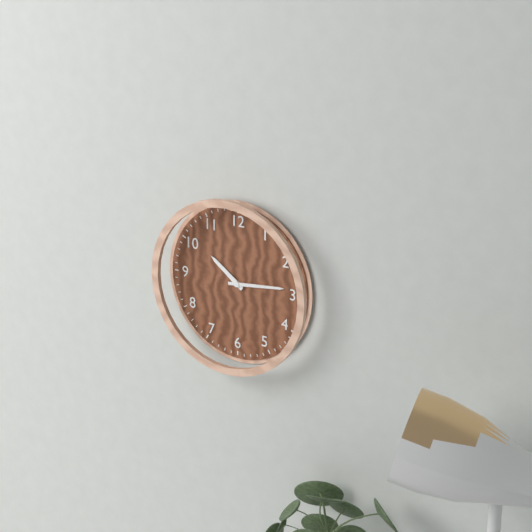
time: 10:14
